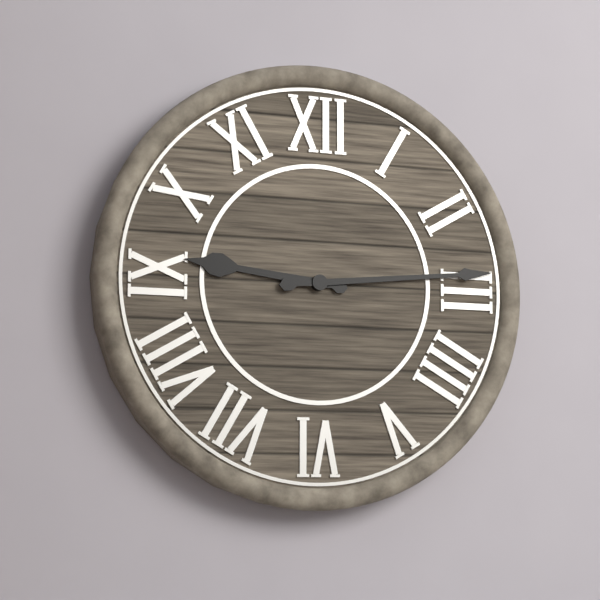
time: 9:14
